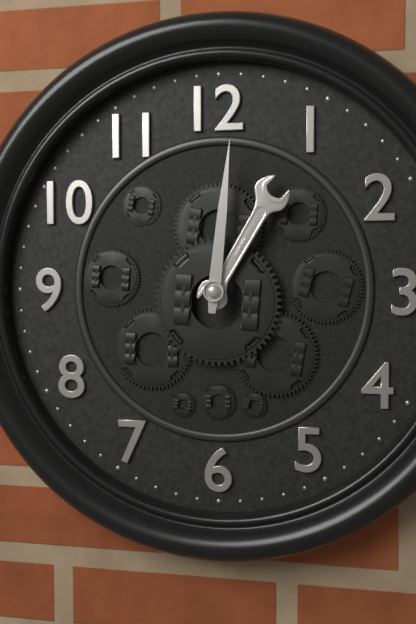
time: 1:01
